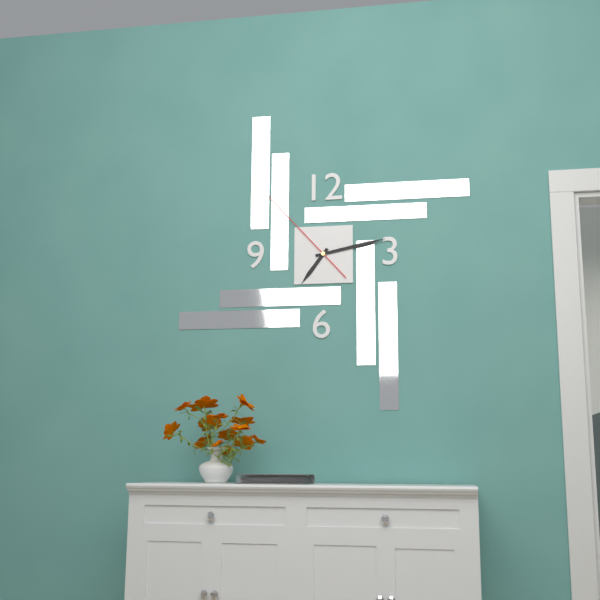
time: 7:13:53
